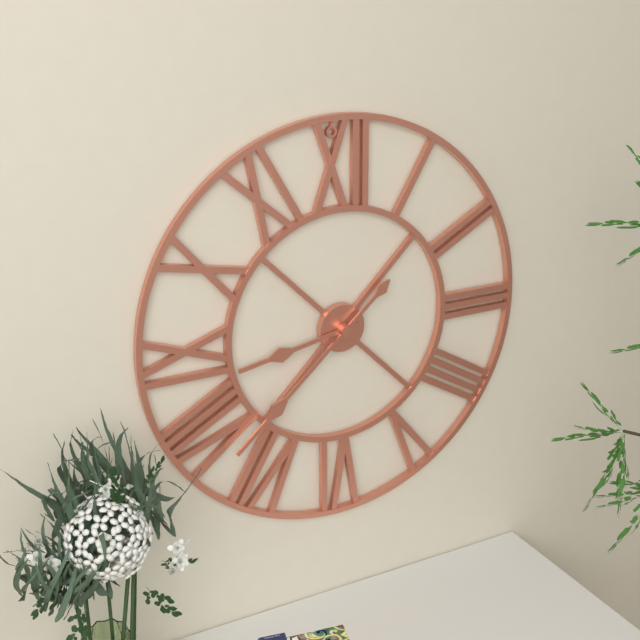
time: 8:38
